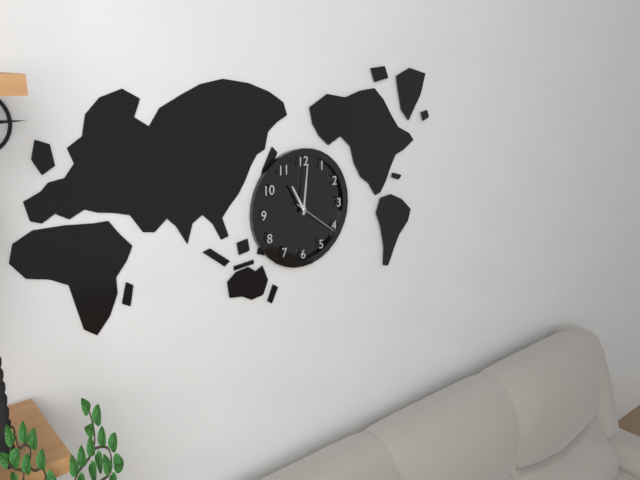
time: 11:01
